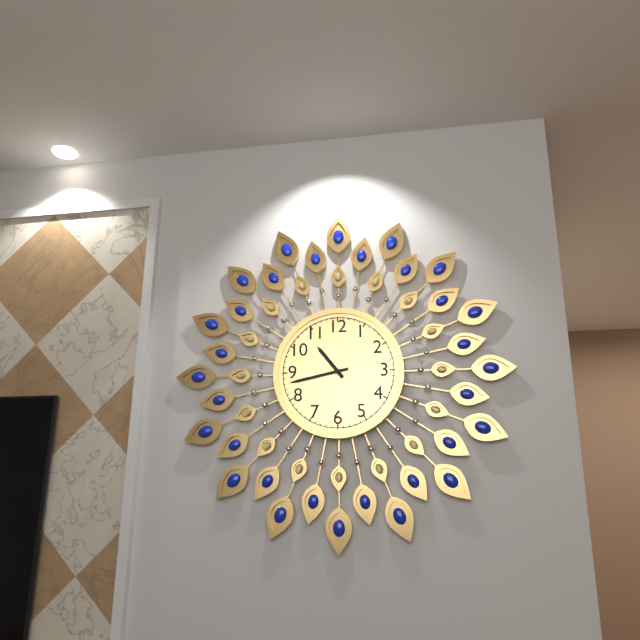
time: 10:43
